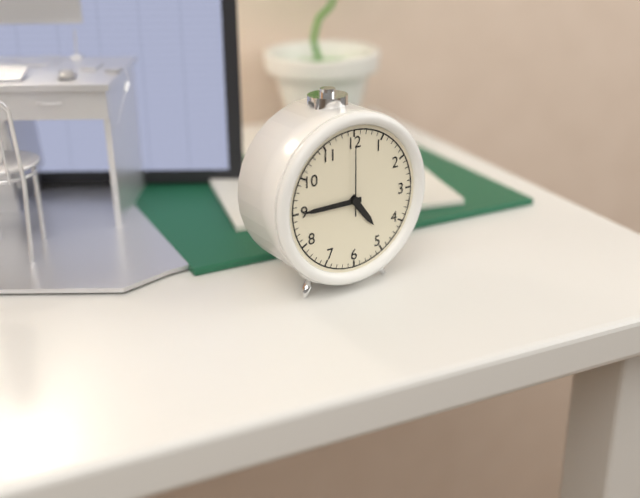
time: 4:45:00
